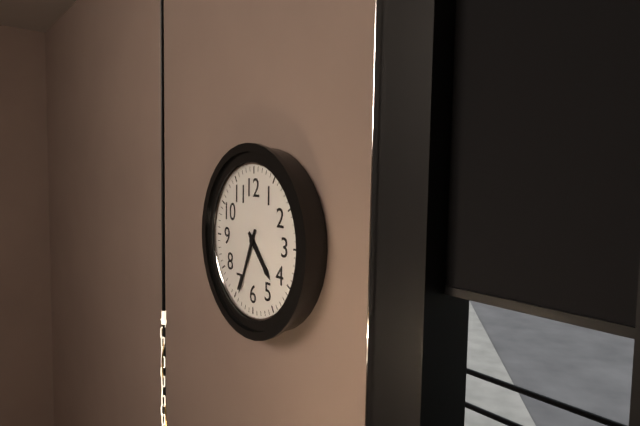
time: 4:34
